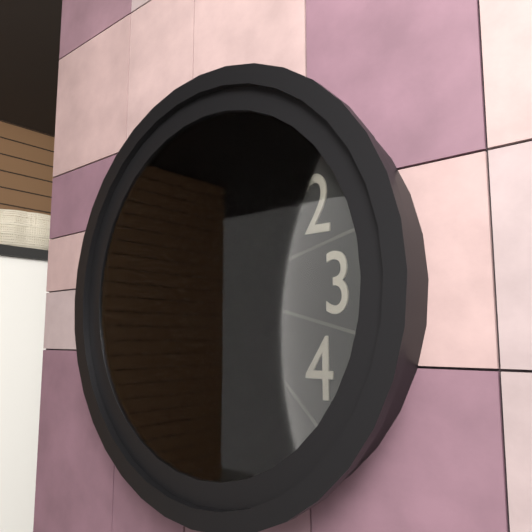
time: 9:46
